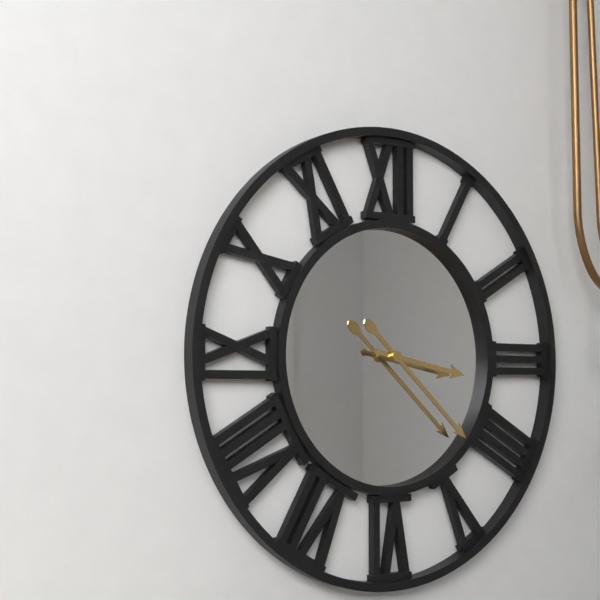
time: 3:22
